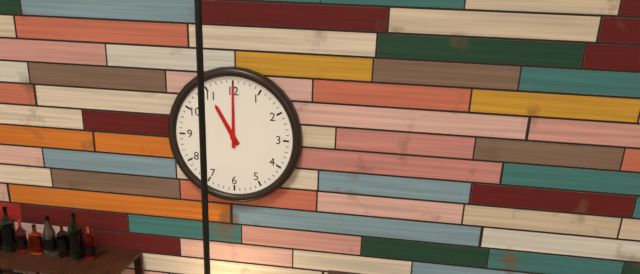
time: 11:00
